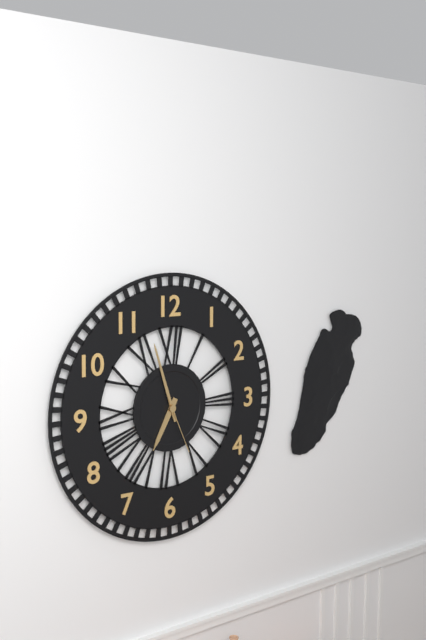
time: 6:57:26
